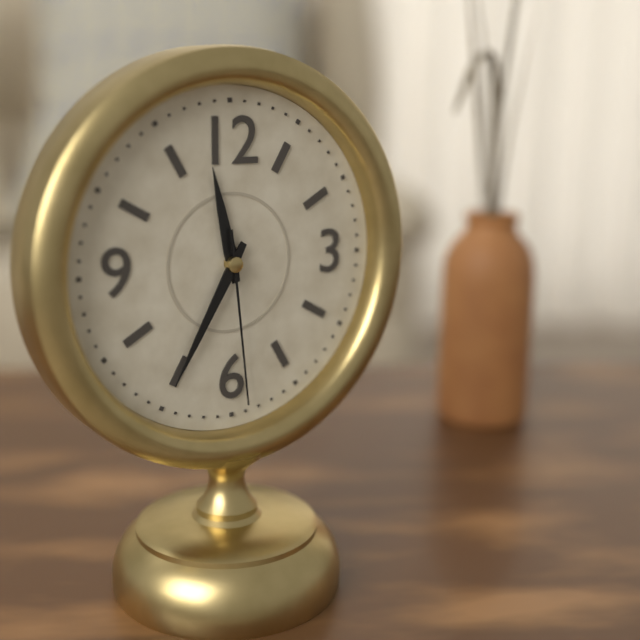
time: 11:35:29
